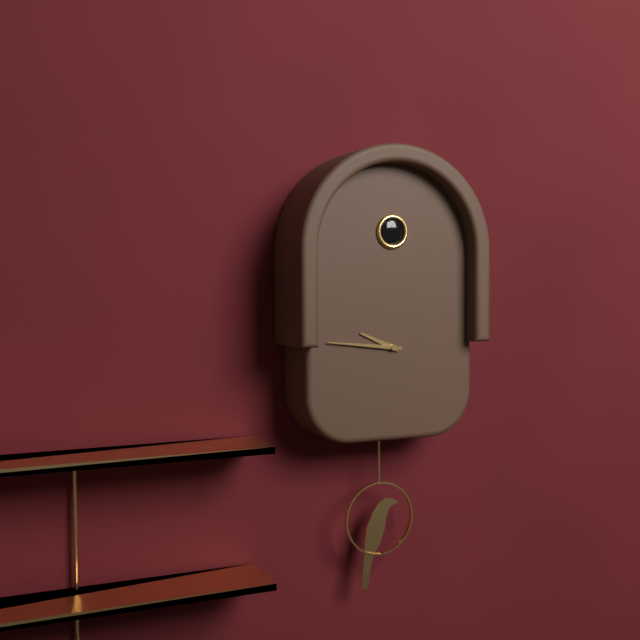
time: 9:46
